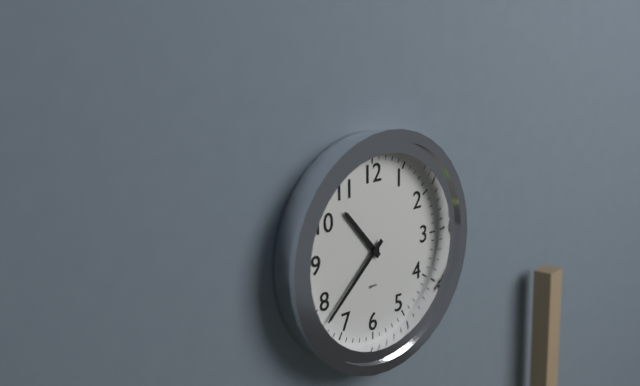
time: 10:38
